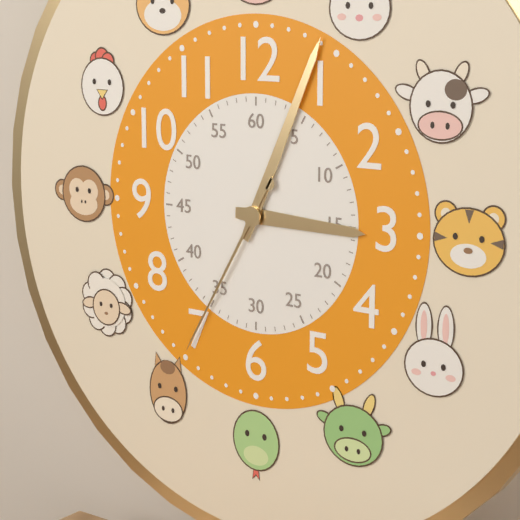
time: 3:04:35
